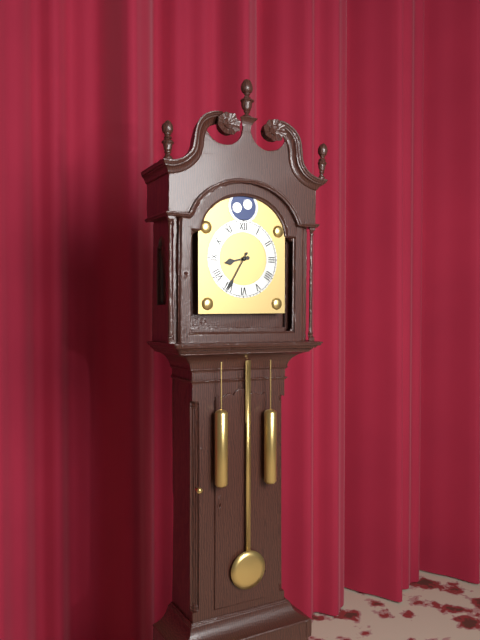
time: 8:35
